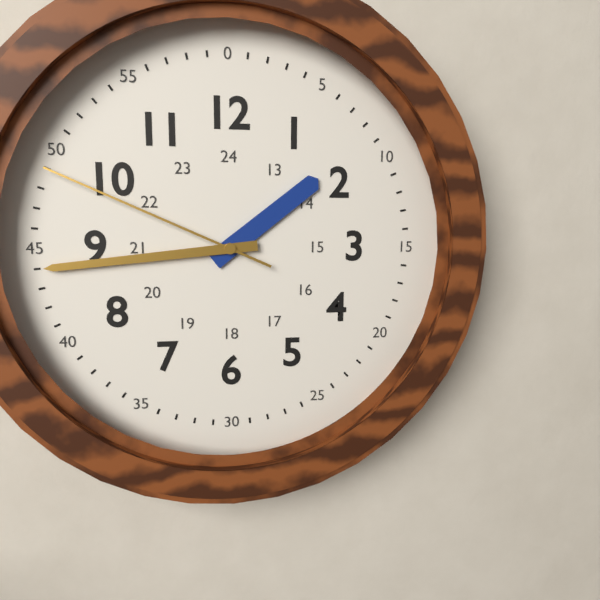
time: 1:44:49
